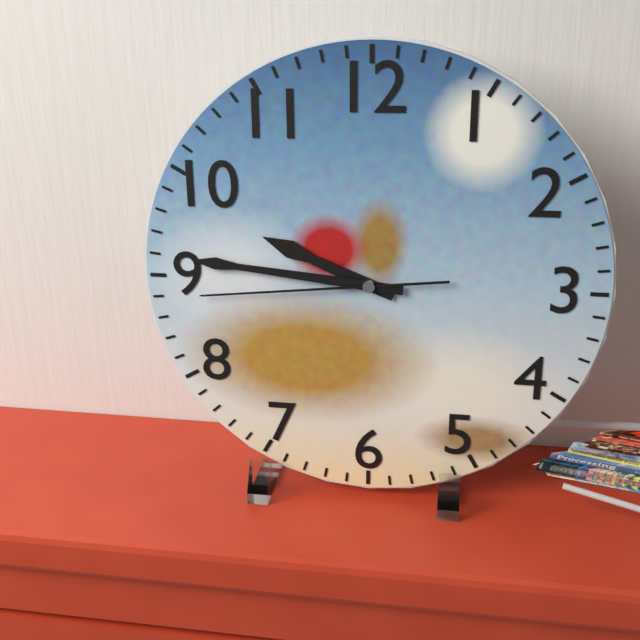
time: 9:46:44
